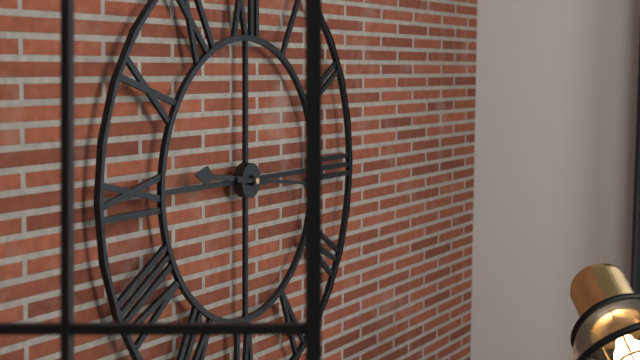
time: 9:16
